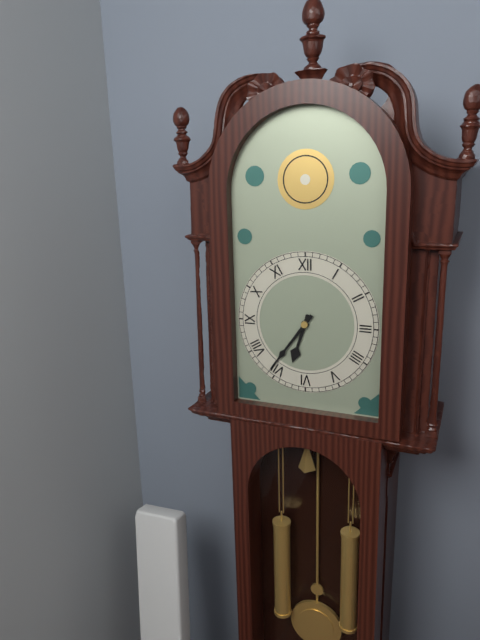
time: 6:36
